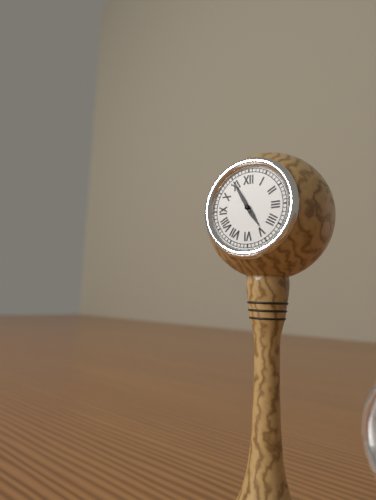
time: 4:55
